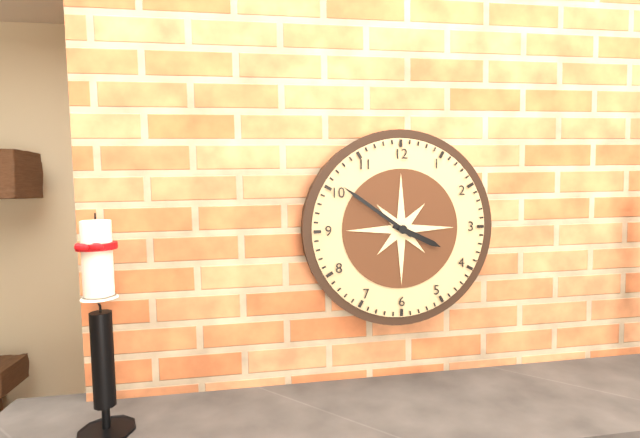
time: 3:51
